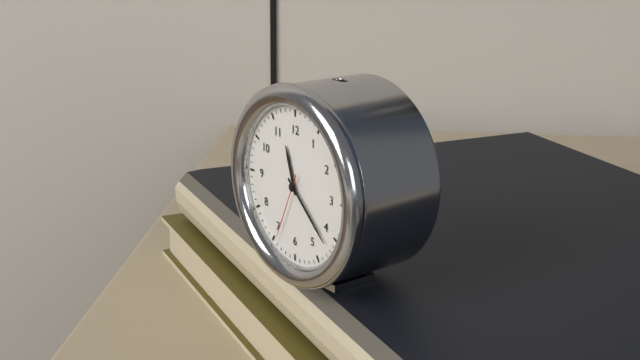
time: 11:22:34
